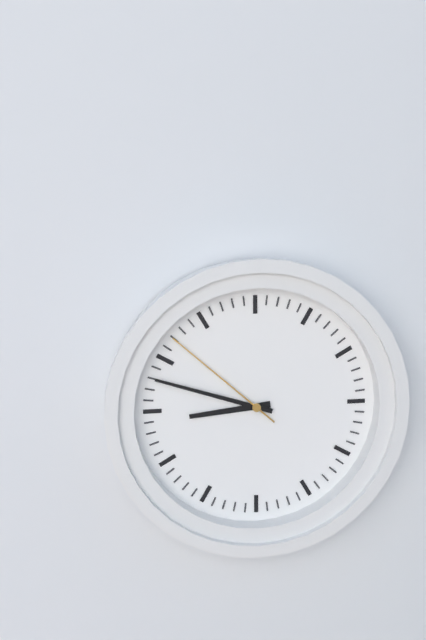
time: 8:48:52
